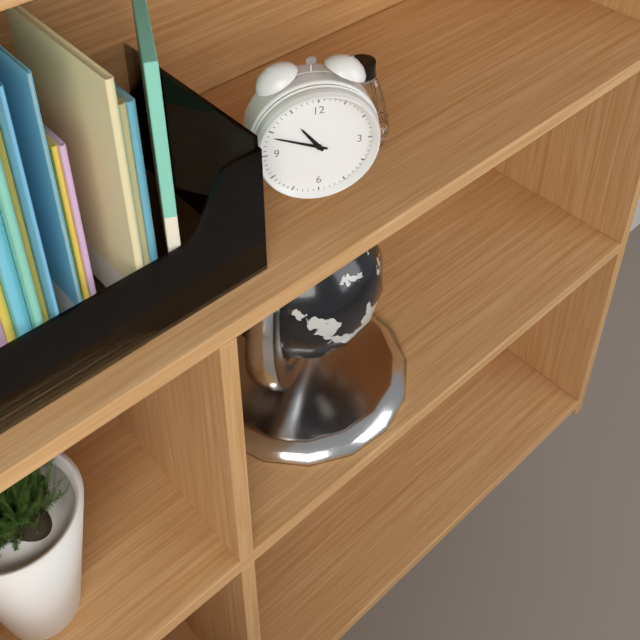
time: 10:49
